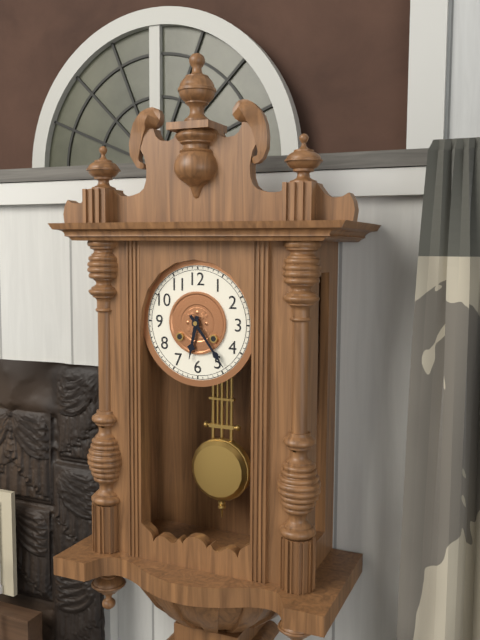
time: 6:24
